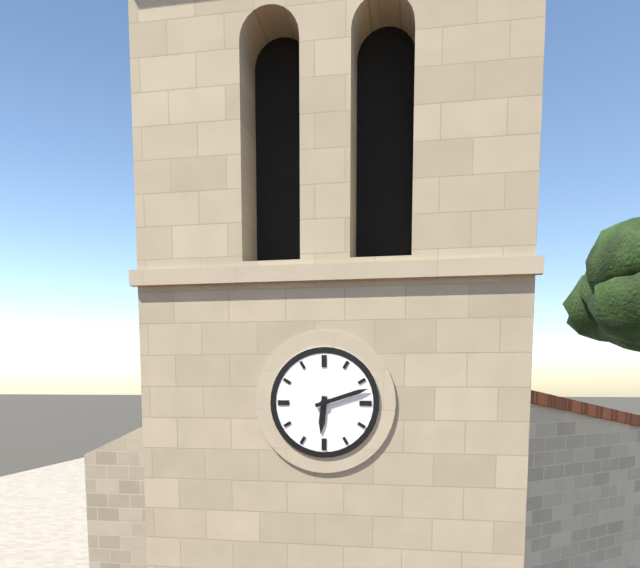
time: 6:12
